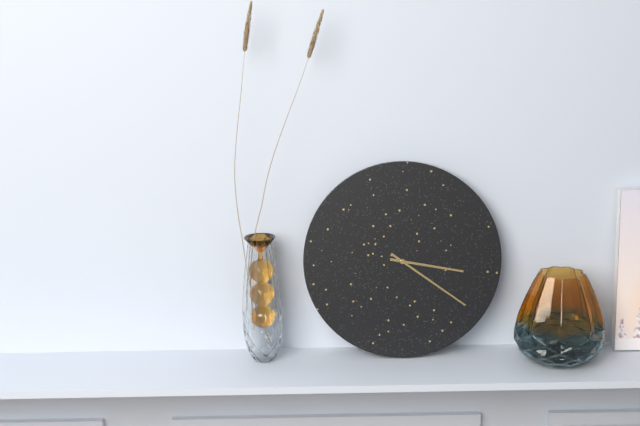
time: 3:21
